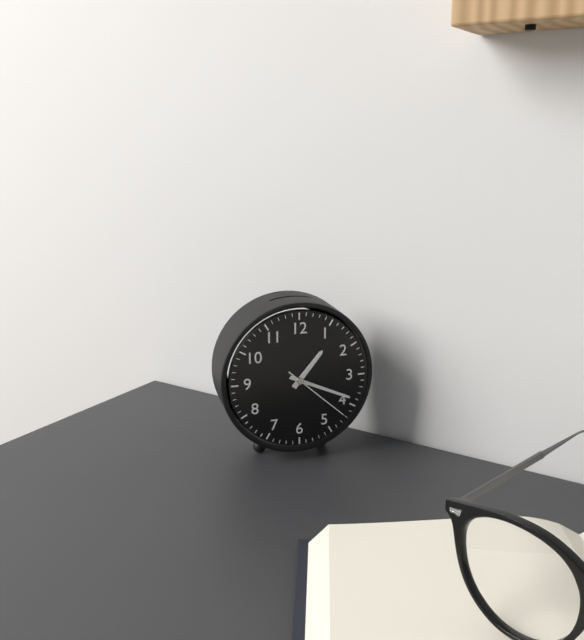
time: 1:19:22
